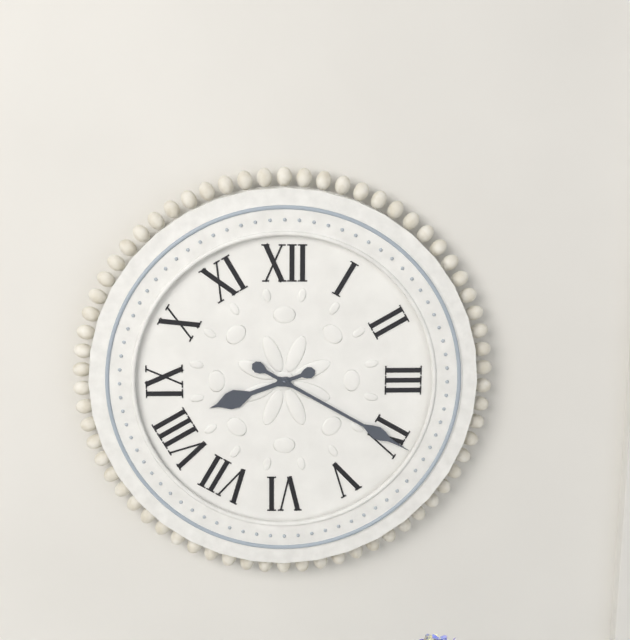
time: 8:20
